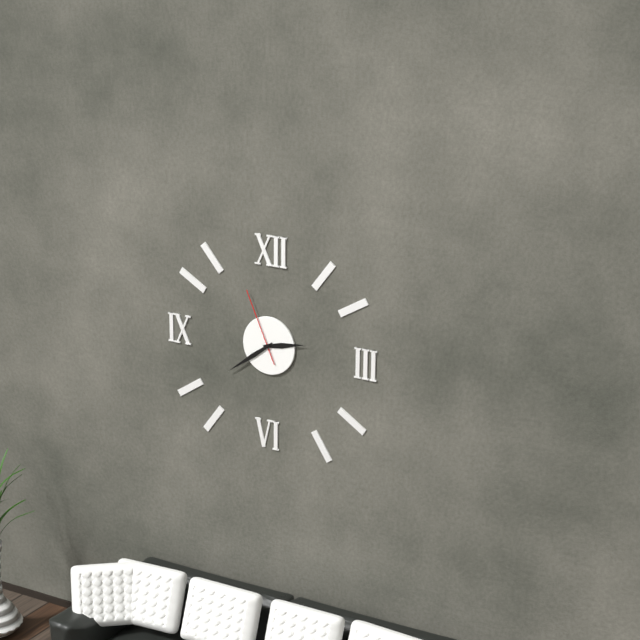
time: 2:39:56
